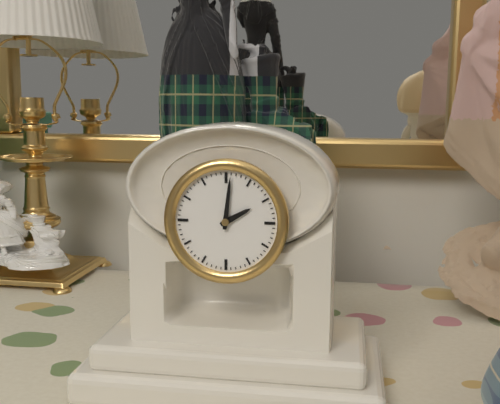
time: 2:01
